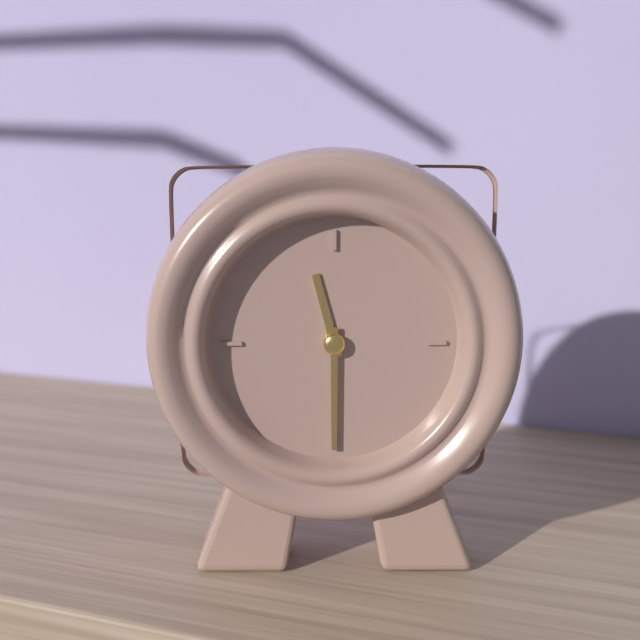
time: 11:30
